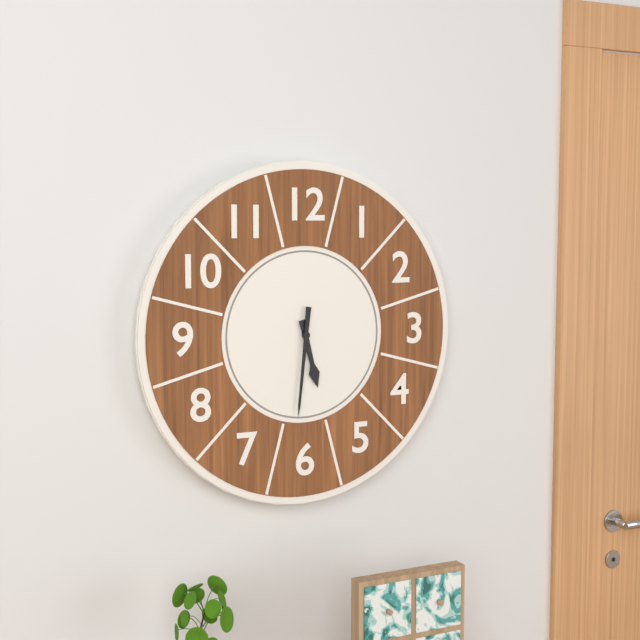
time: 5:31
